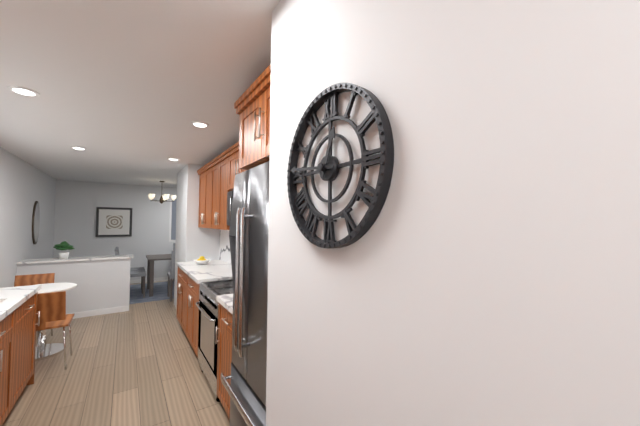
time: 12:46
